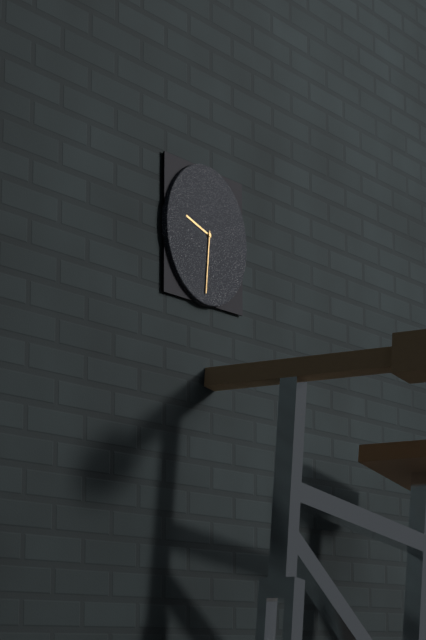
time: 9:31
